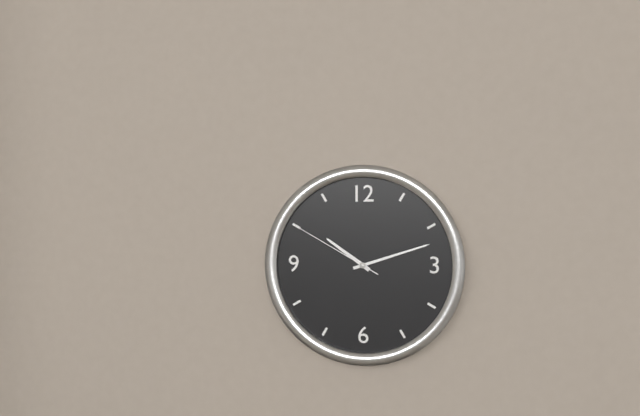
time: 10:12:50
